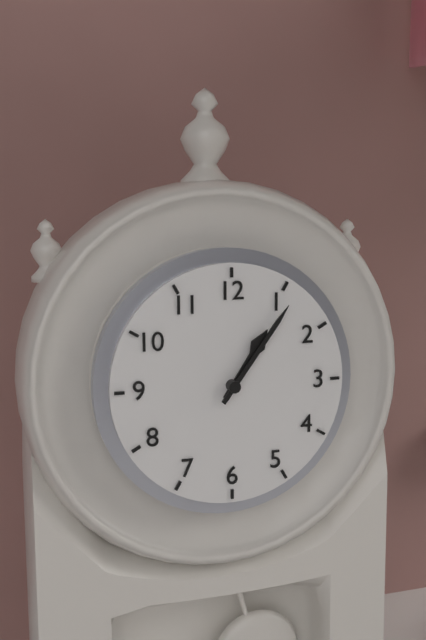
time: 1:06
